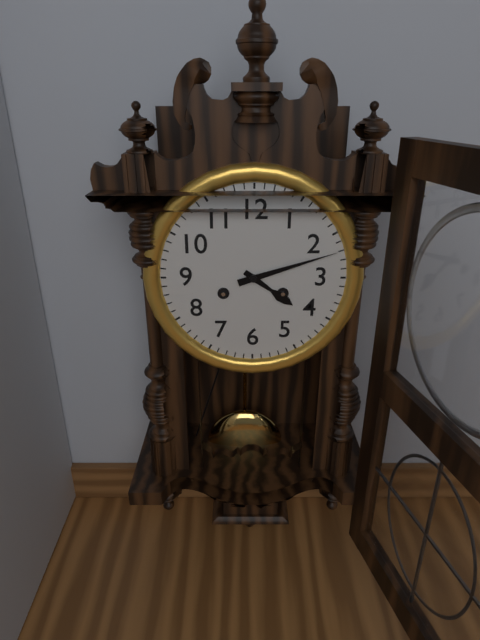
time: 4:12
